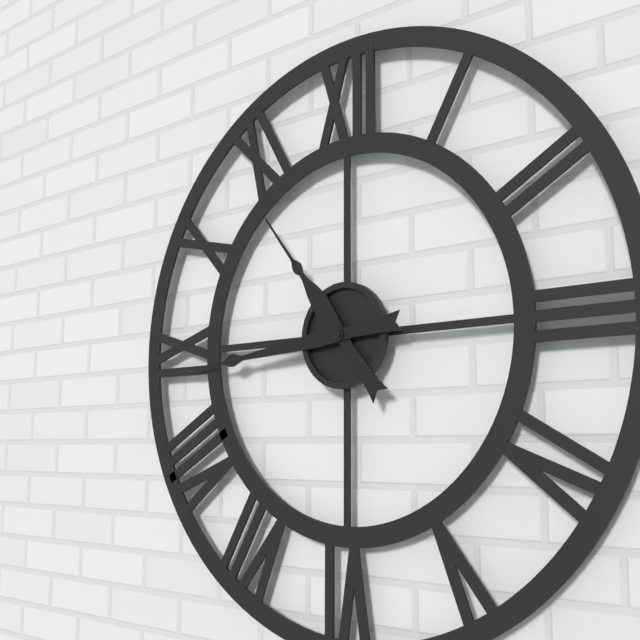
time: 10:44
